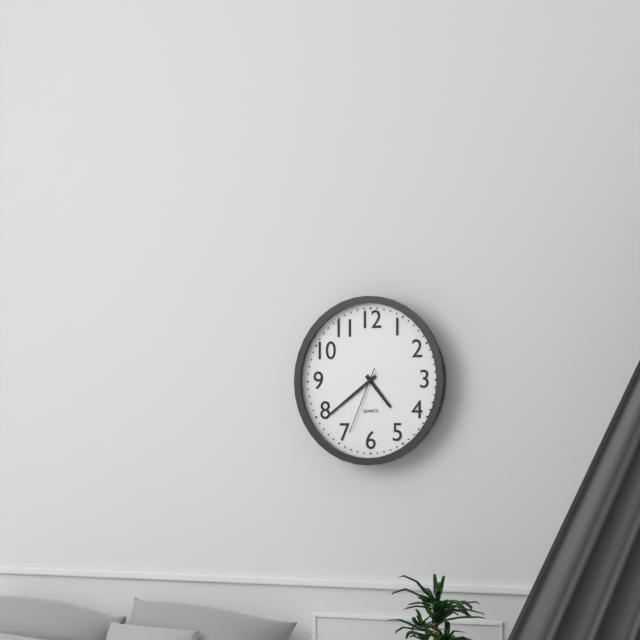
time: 4:39:34
